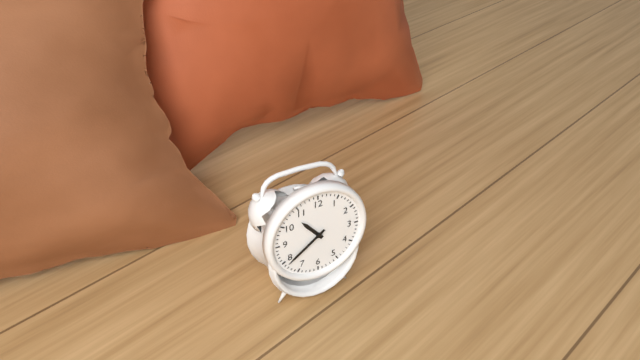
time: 10:39
